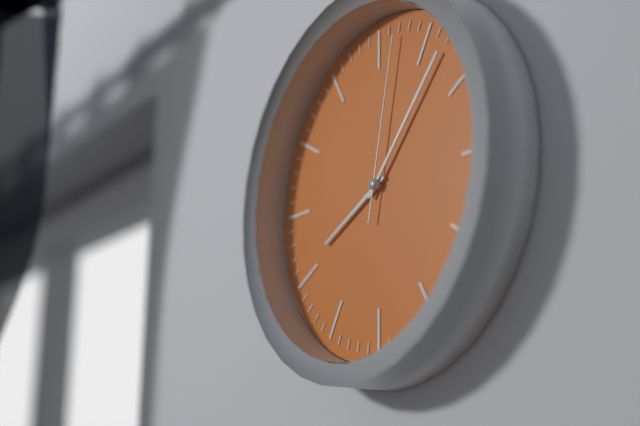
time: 8:07:02
